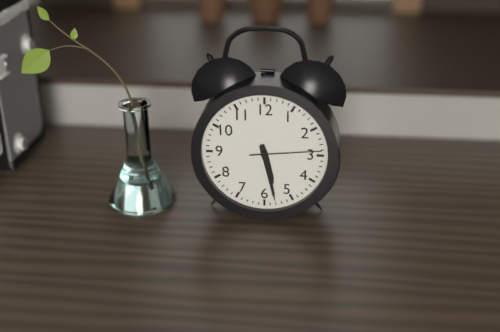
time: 5:28:14
